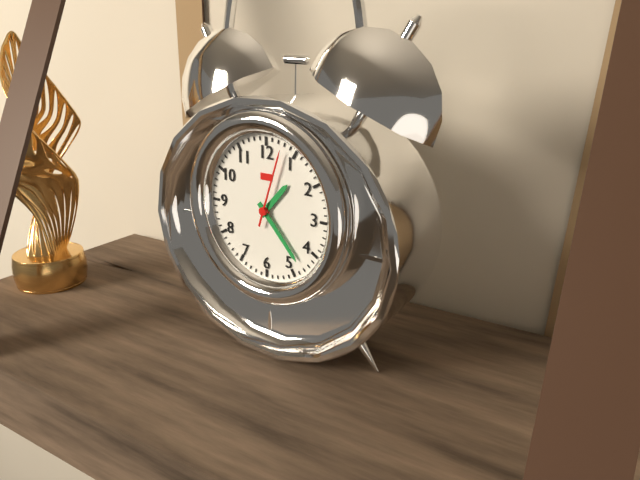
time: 1:23:03
